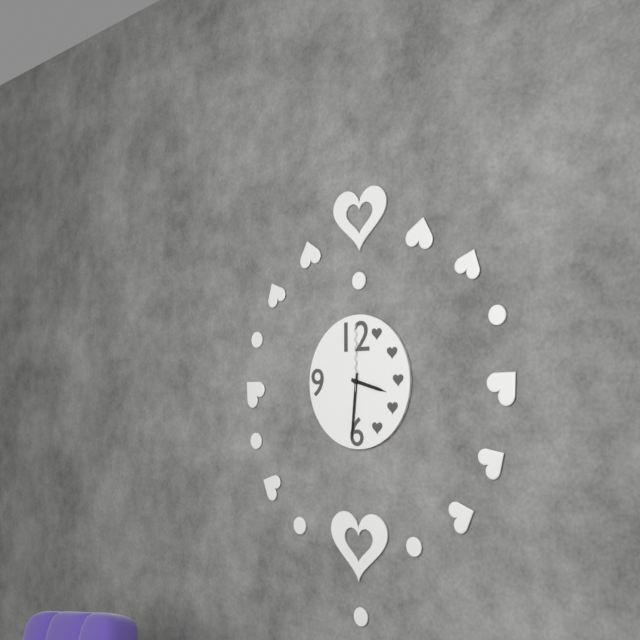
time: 3:31:00
